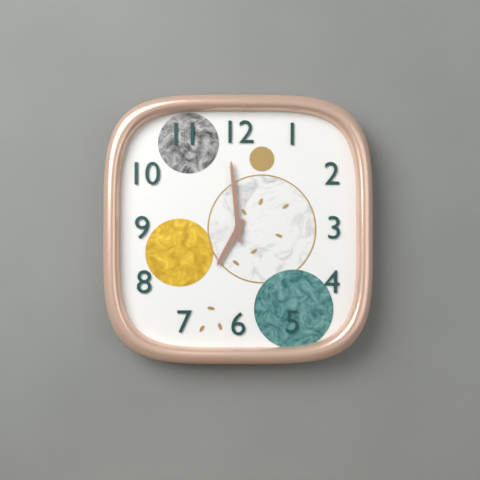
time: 6:59
